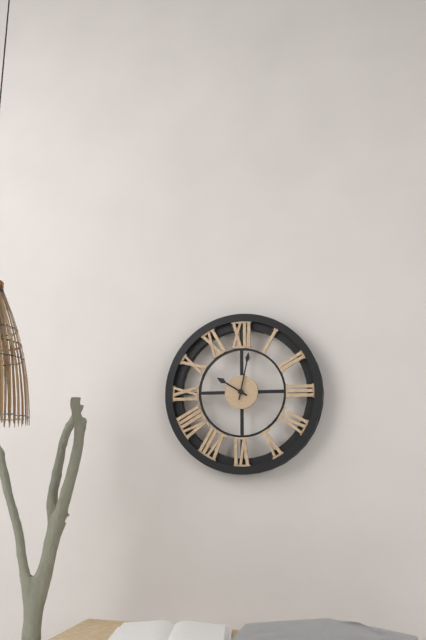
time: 10:02
